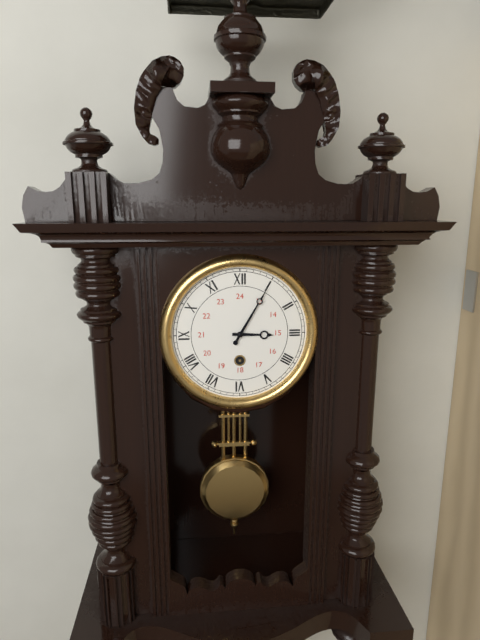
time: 3:05
